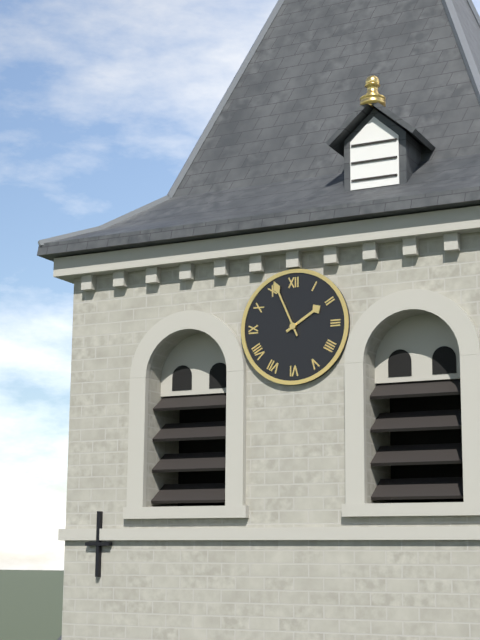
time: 1:56
